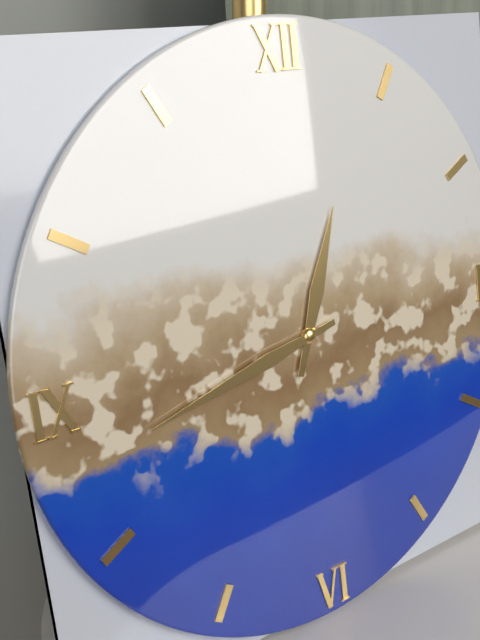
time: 12:43
